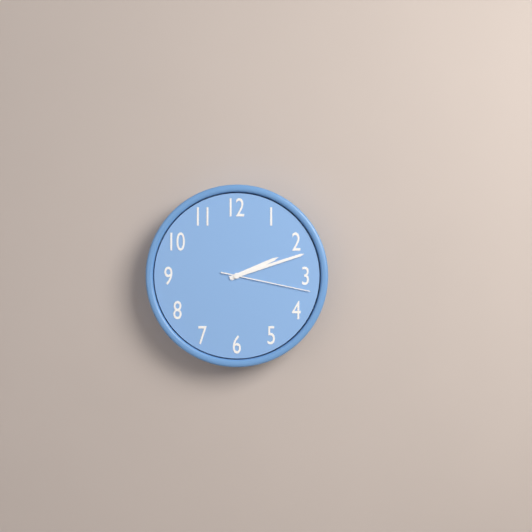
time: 2:12:17
